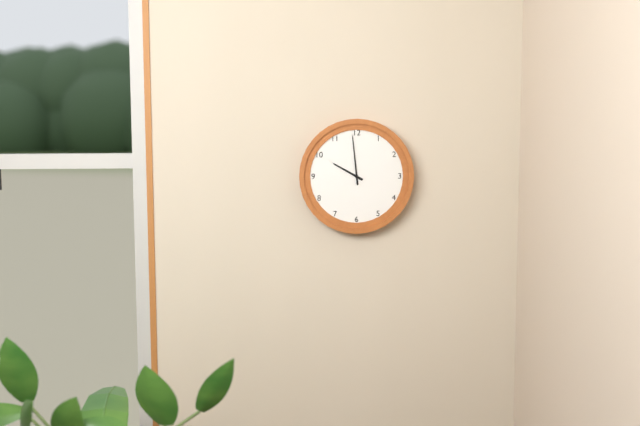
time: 9:59
